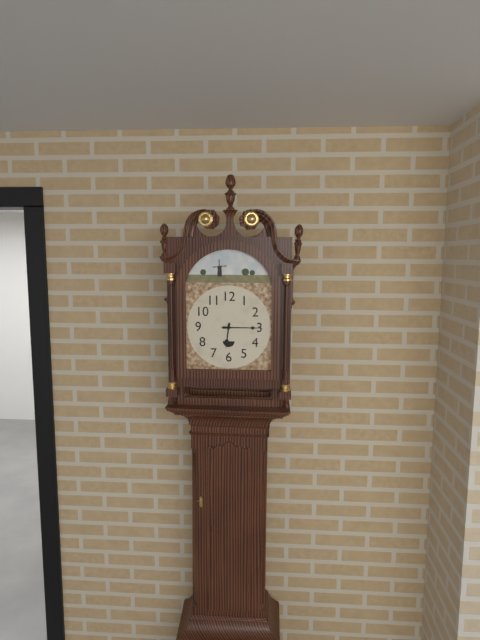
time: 6:15
